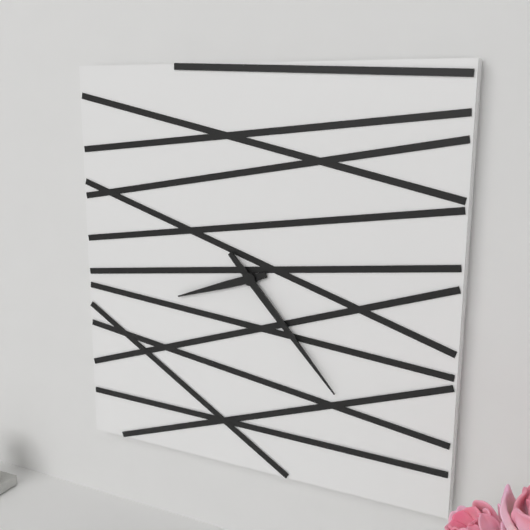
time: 8:23
